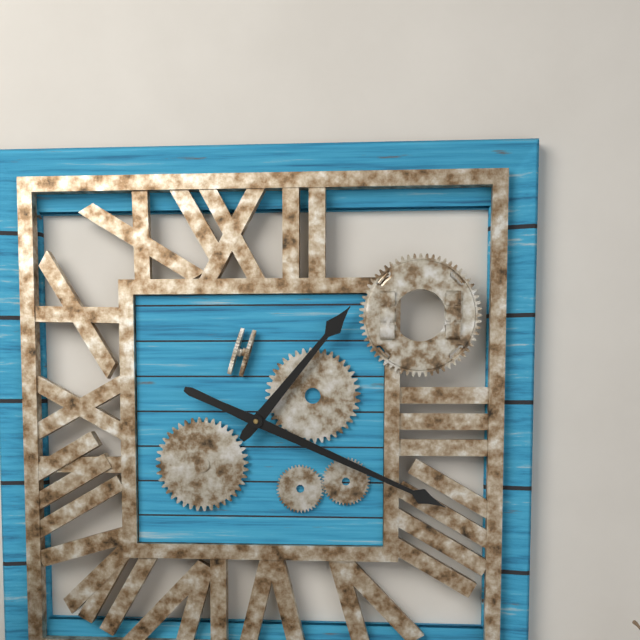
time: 1:19
